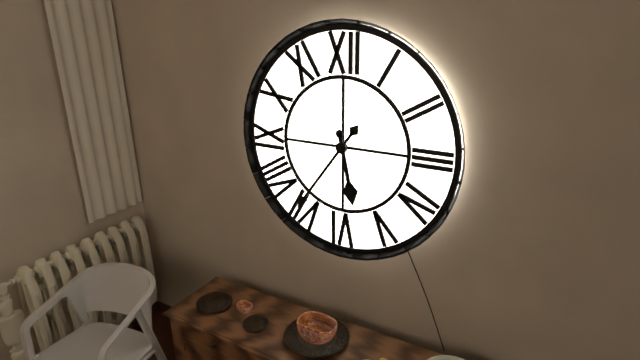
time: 5:36
